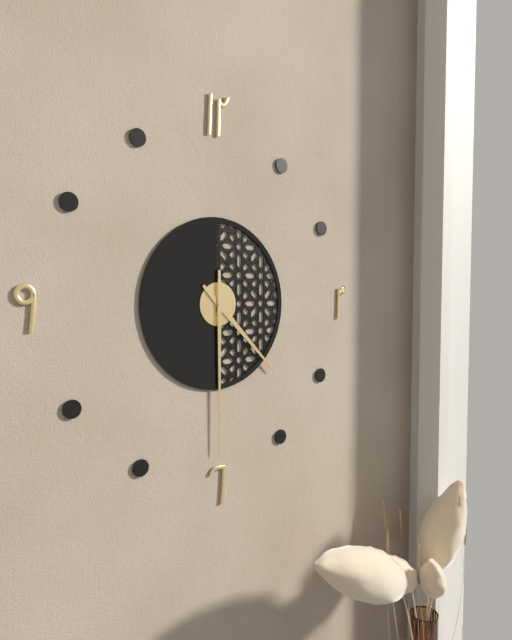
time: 4:30
